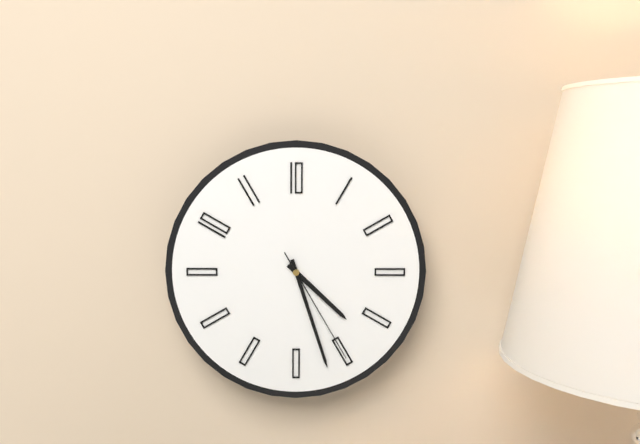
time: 4:27:25
